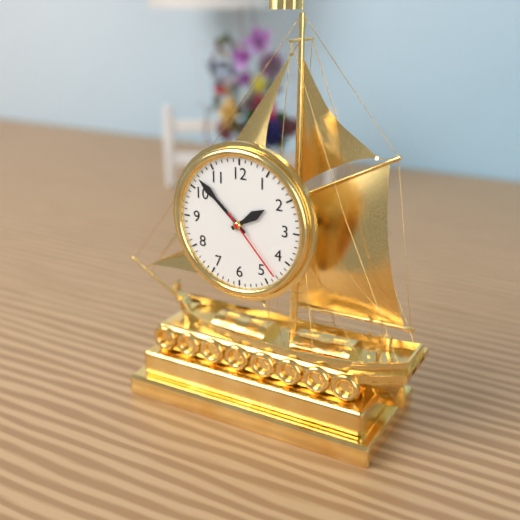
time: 1:52:23
